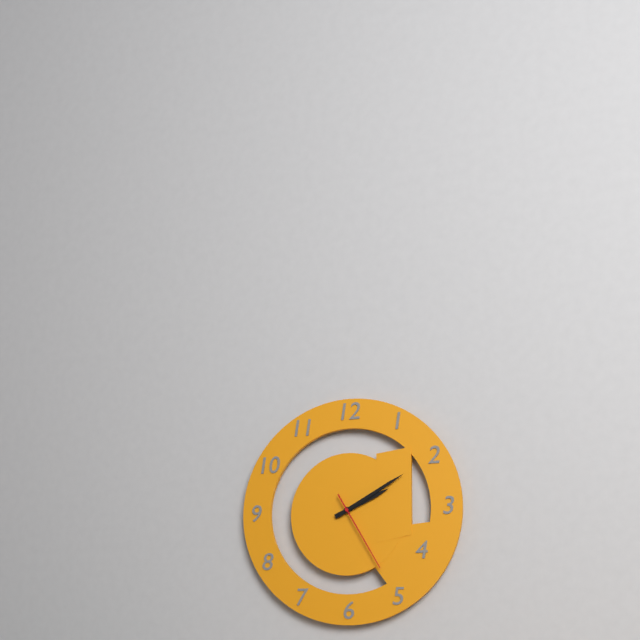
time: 2:10:25
